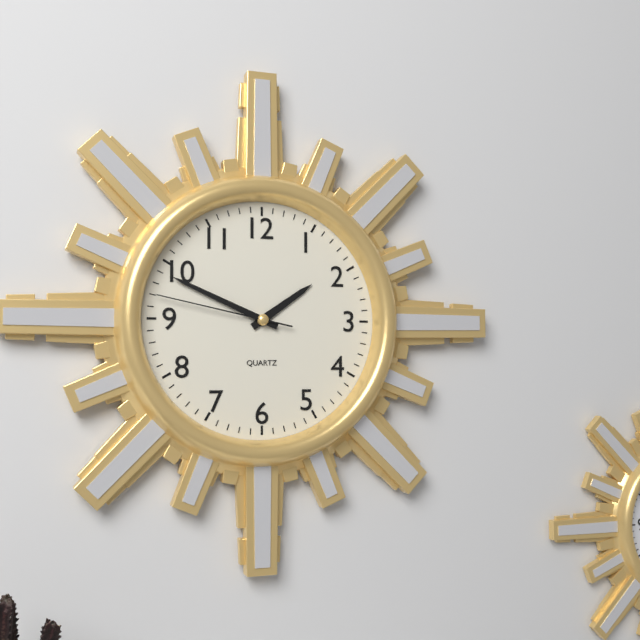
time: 1:49:47
